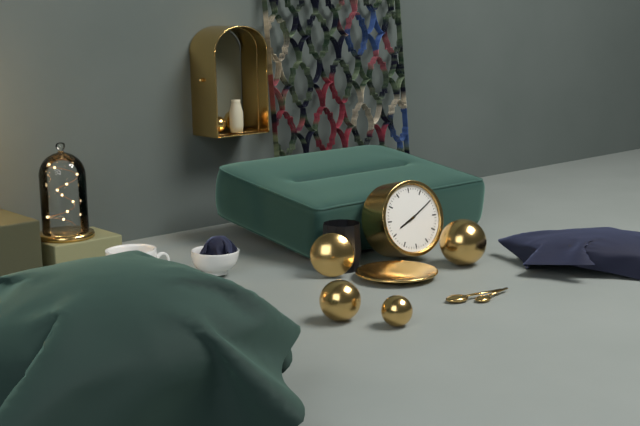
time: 8:10
